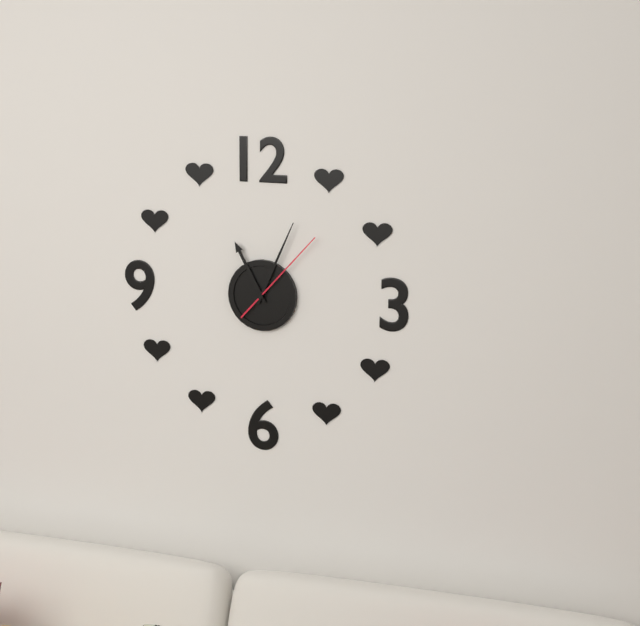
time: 11:04:07
